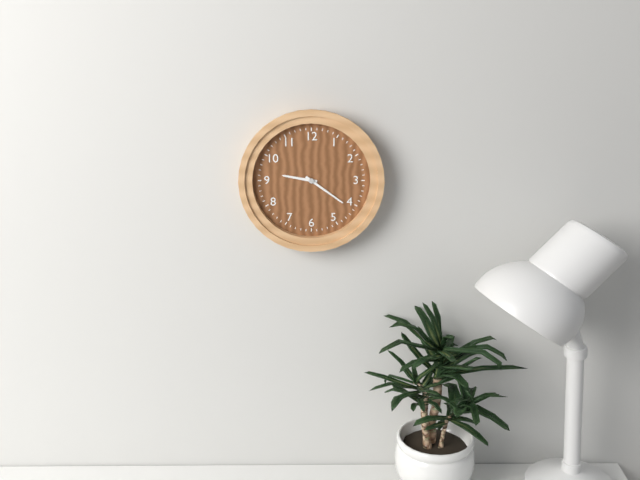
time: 9:21
